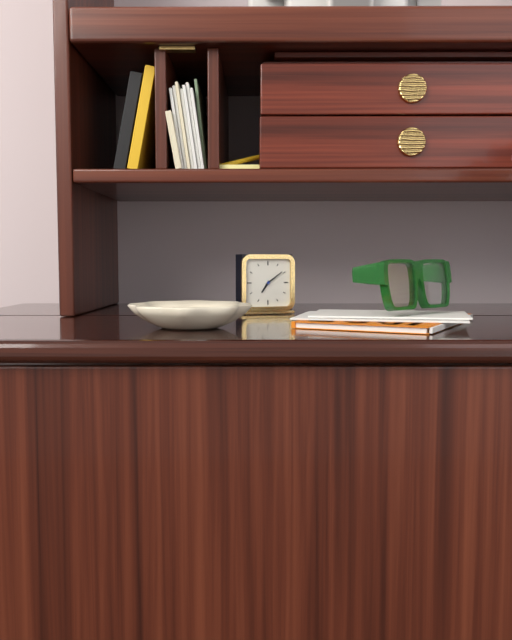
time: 7:09
